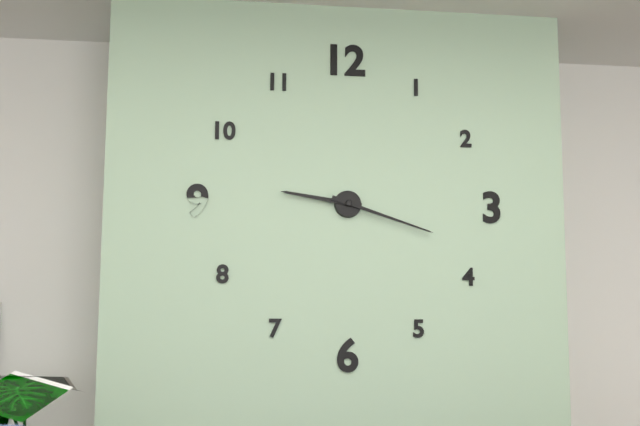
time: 9:18
